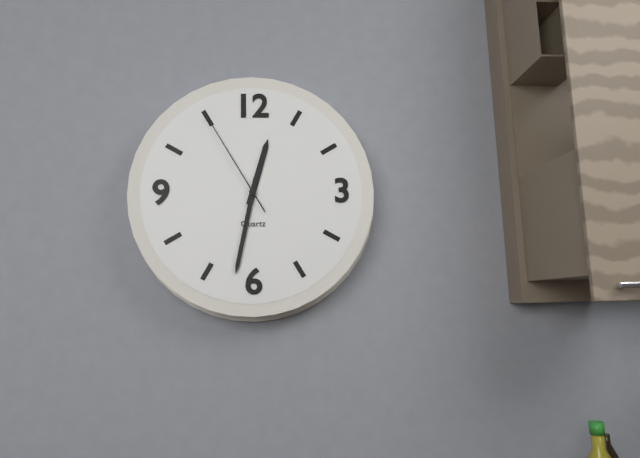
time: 12:32:55
